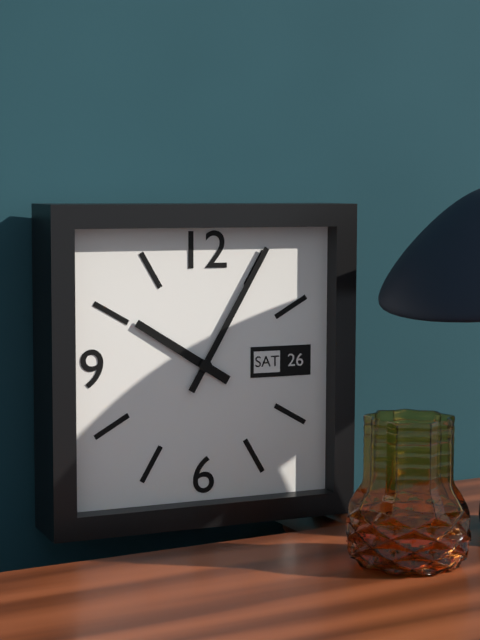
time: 10:05
